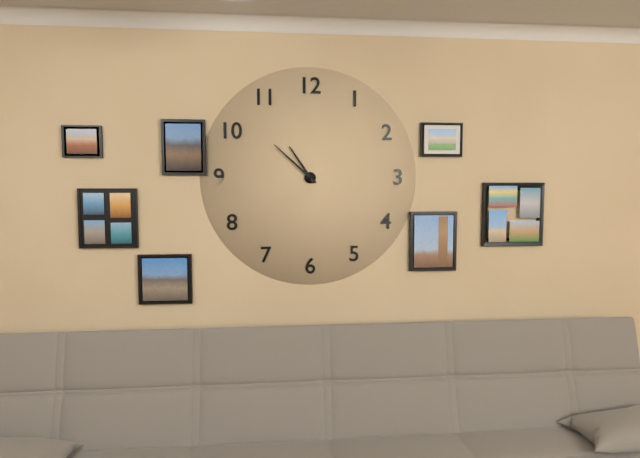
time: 10:52
